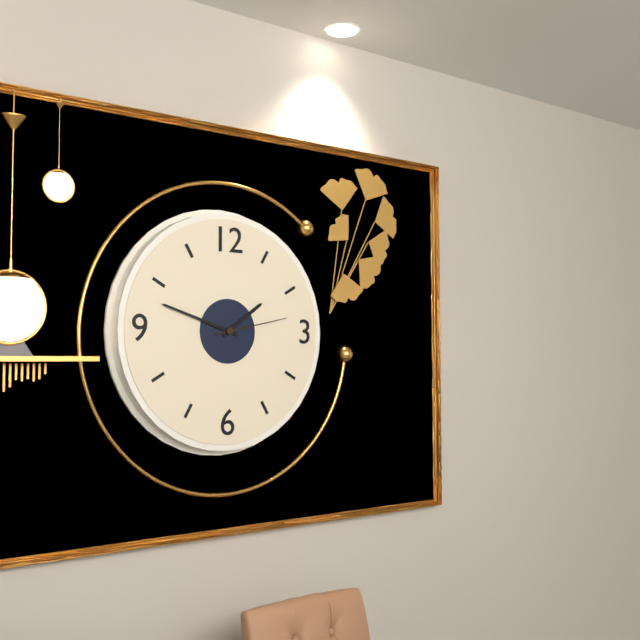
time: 1:48:13
